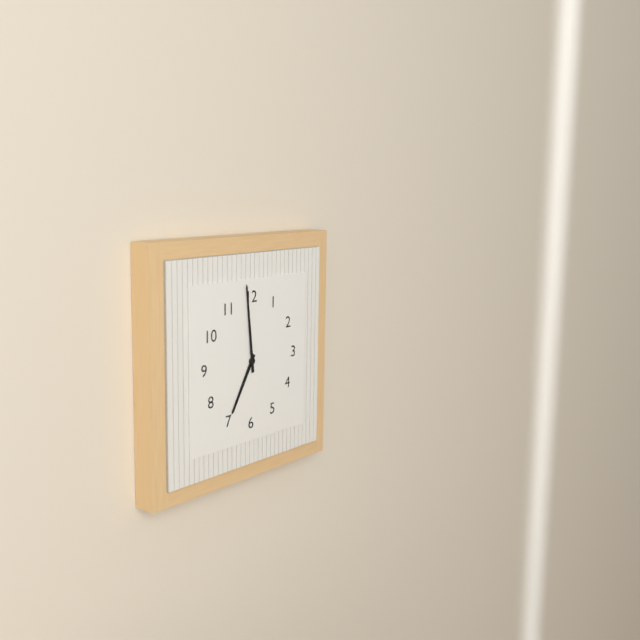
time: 6:59
